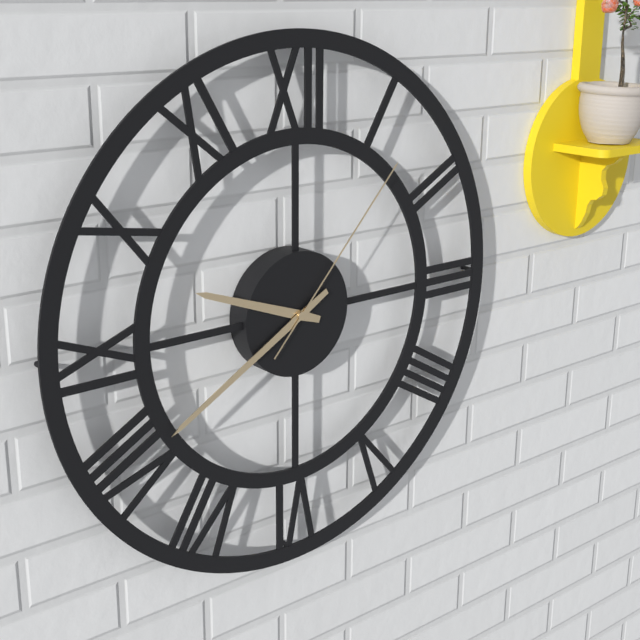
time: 9:40:07
